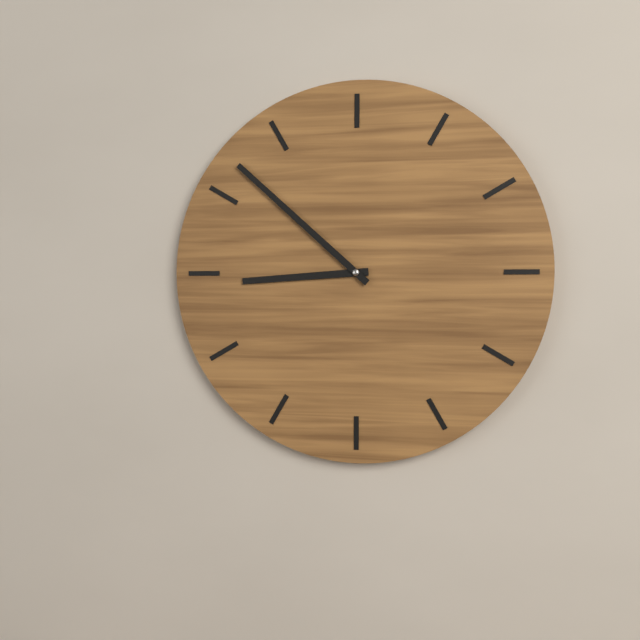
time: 8:52
